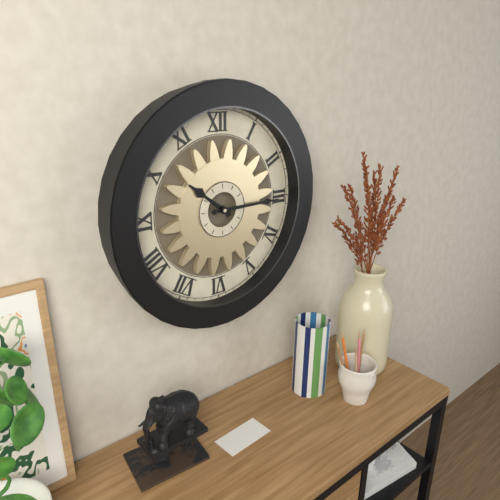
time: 10:15
